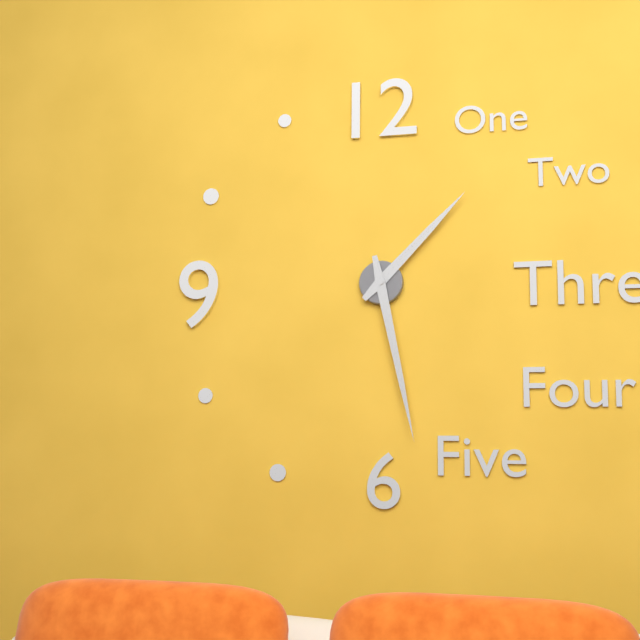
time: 1:28
